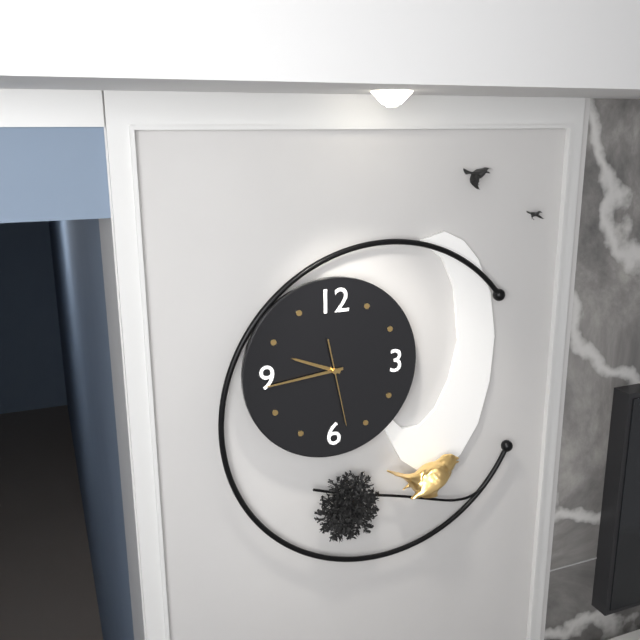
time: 9:44:28
